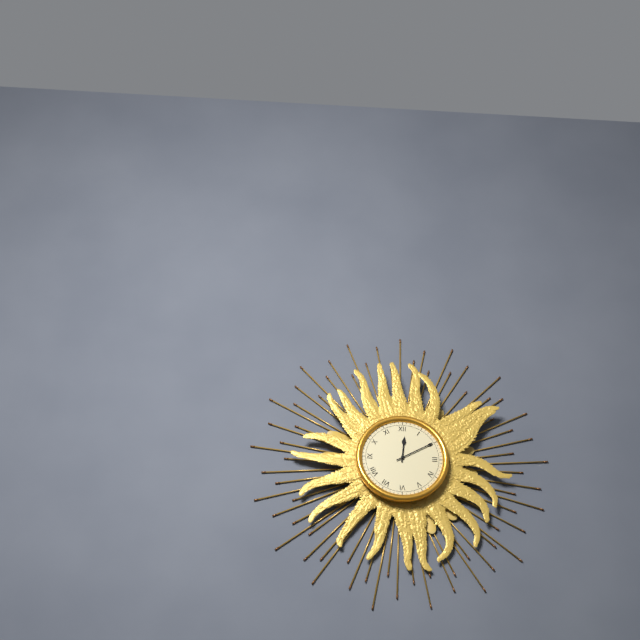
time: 12:10
